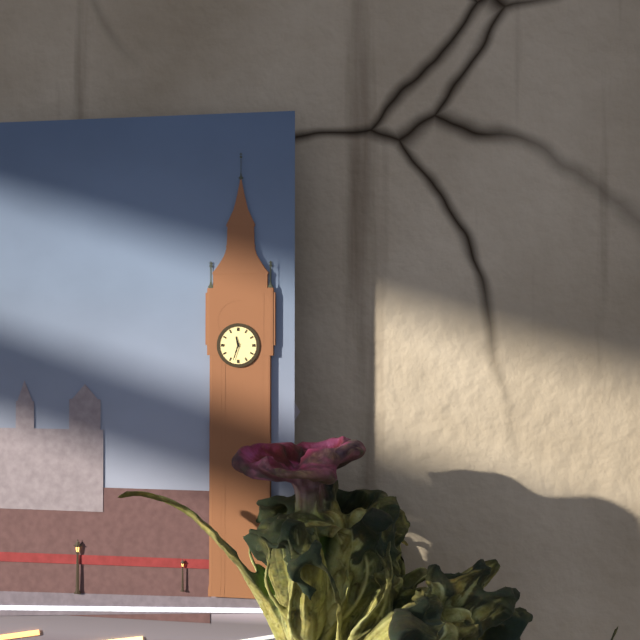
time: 11:33
